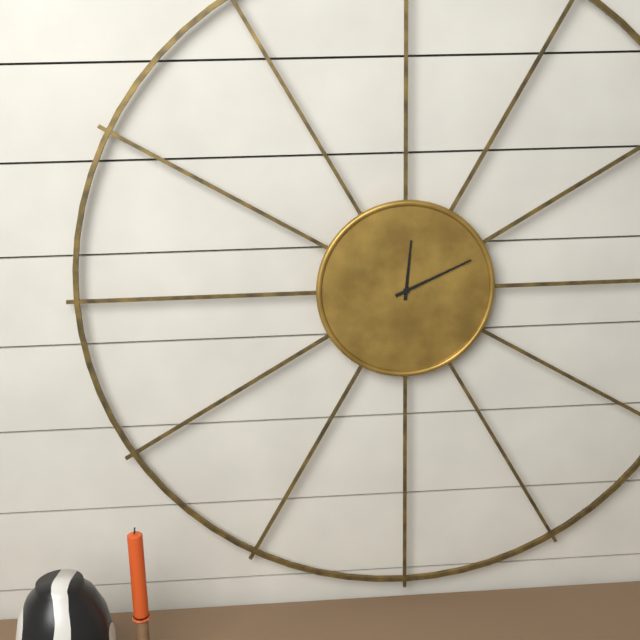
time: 12:11
